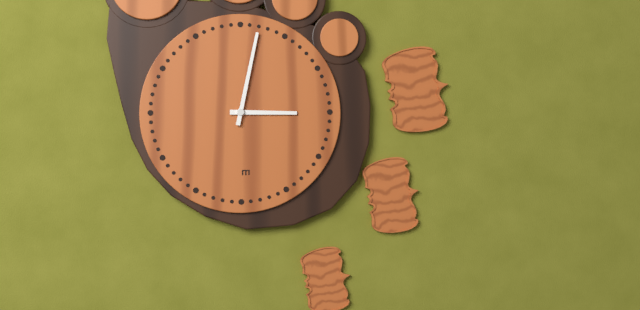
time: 3:02
